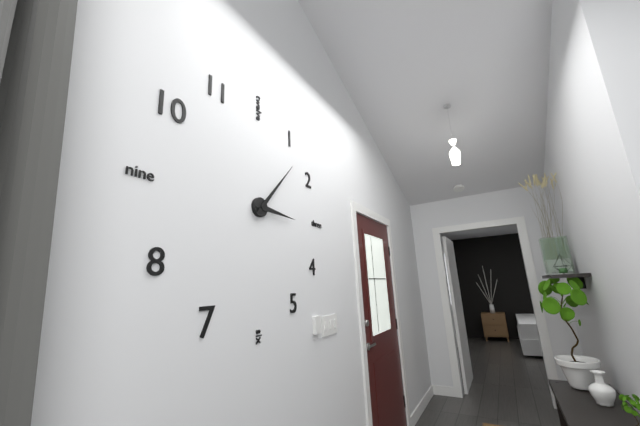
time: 3:07
